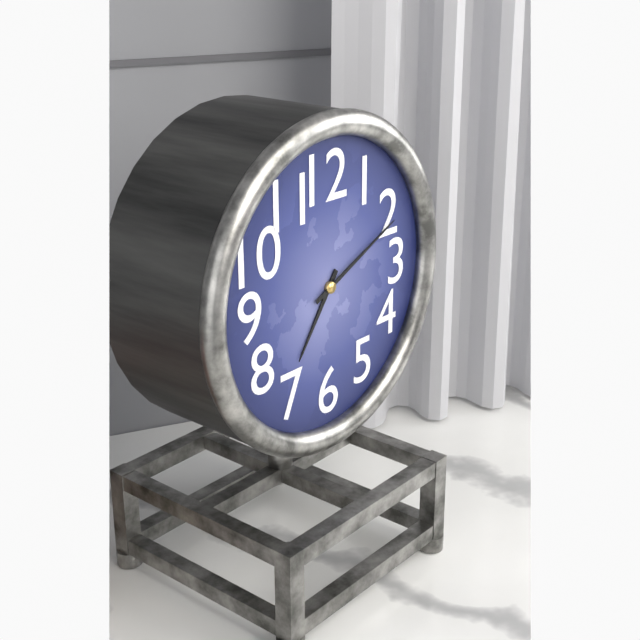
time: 7:11
